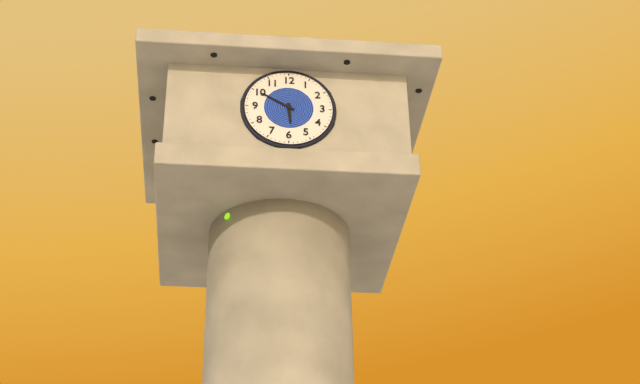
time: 5:50
